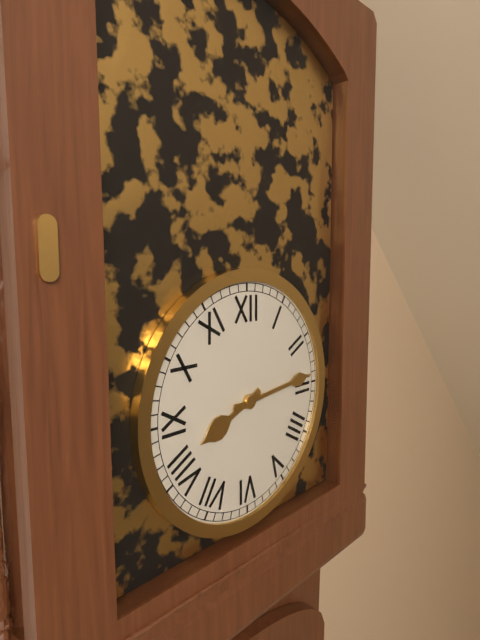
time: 8:14
